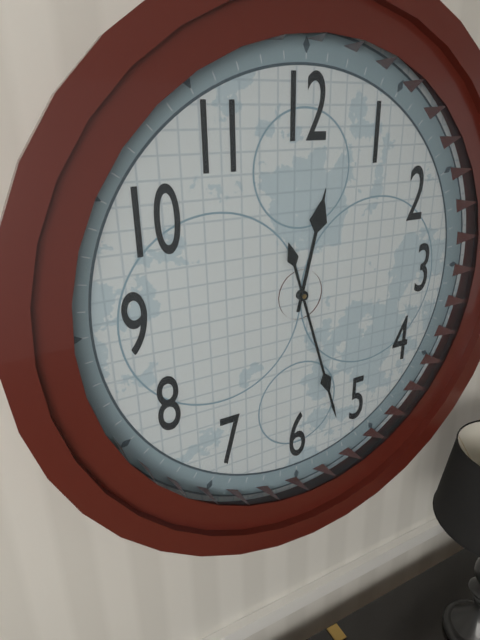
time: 12:27
